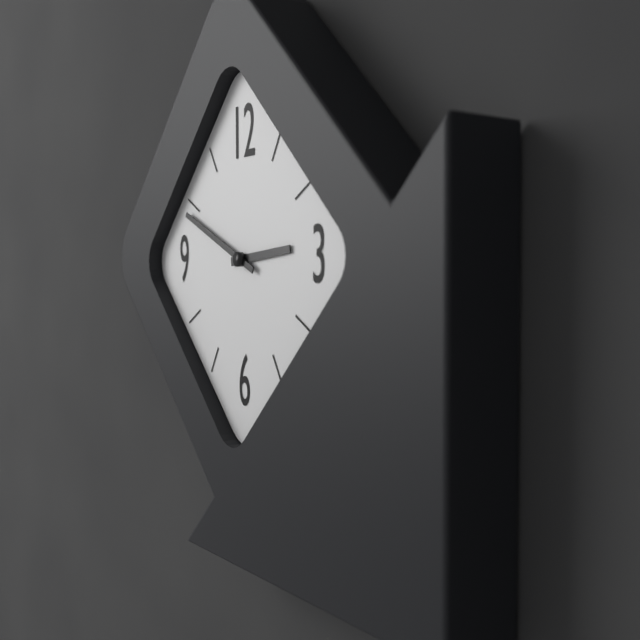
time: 2:49
